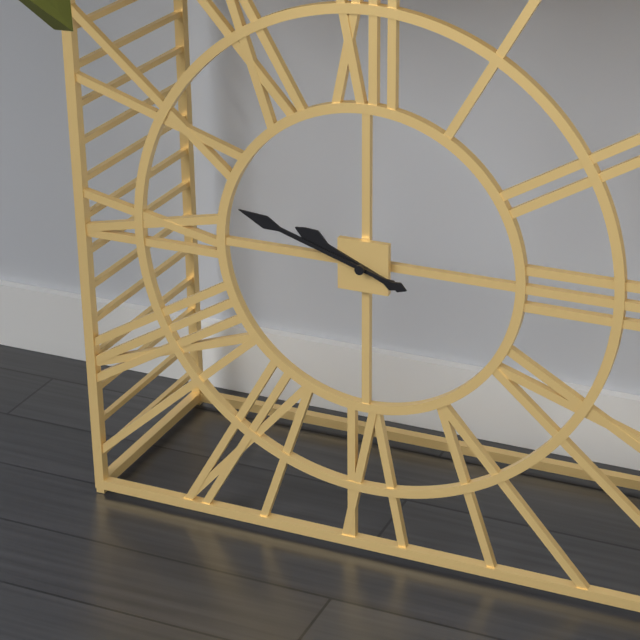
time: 9:48
